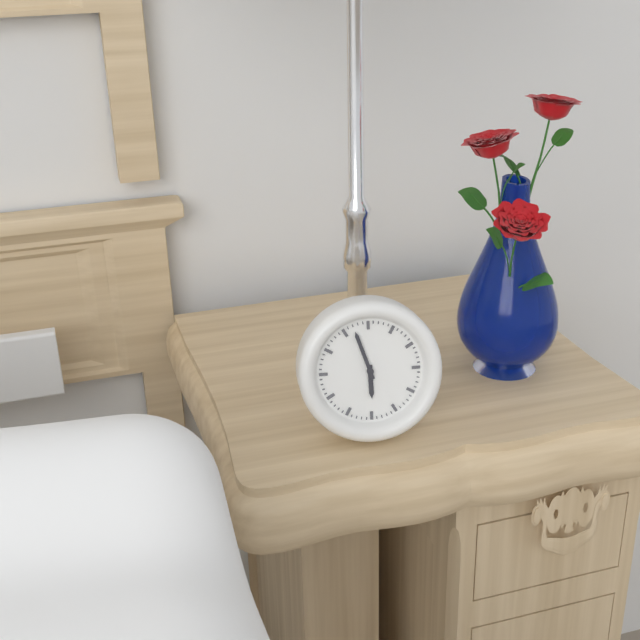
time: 5:57
